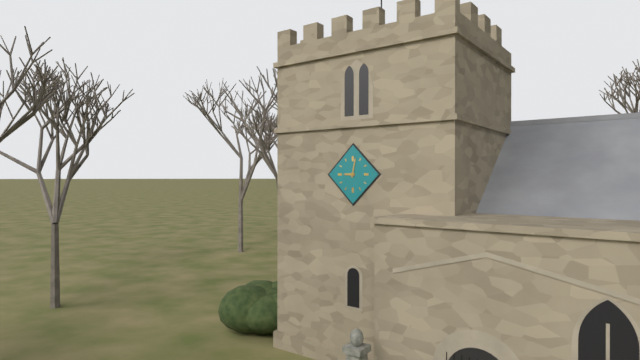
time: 9:02
